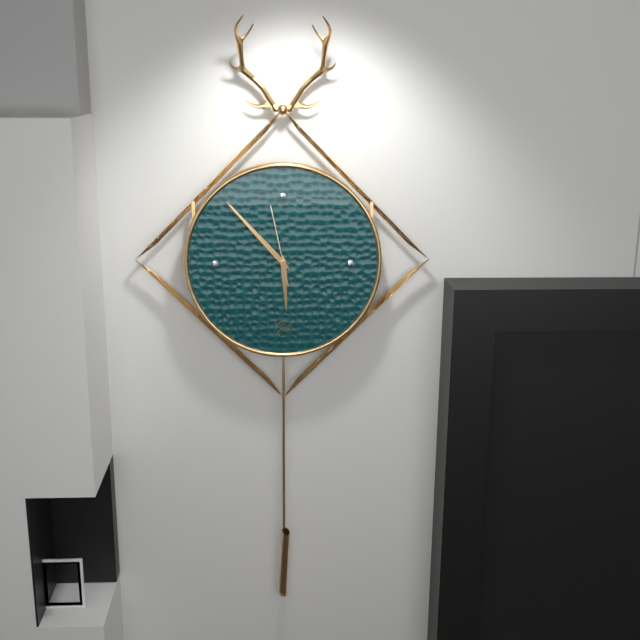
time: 5:53:58
